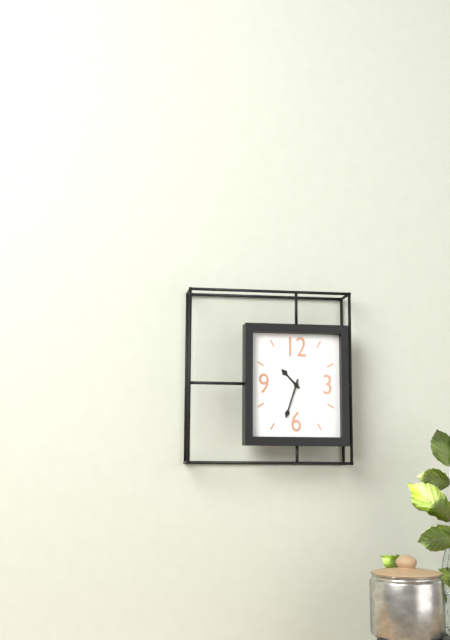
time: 10:33
